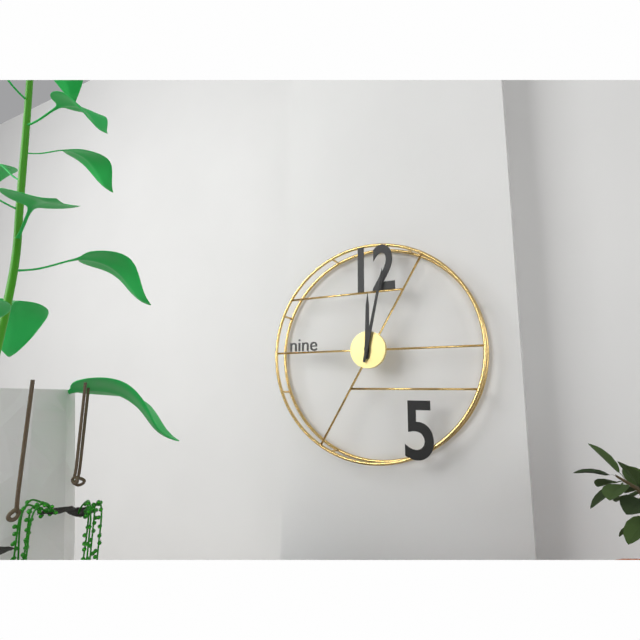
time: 12:02
